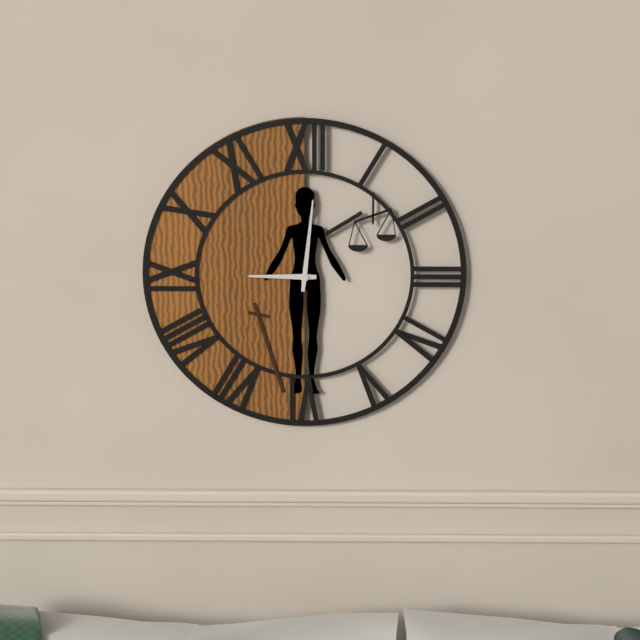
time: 9:01
